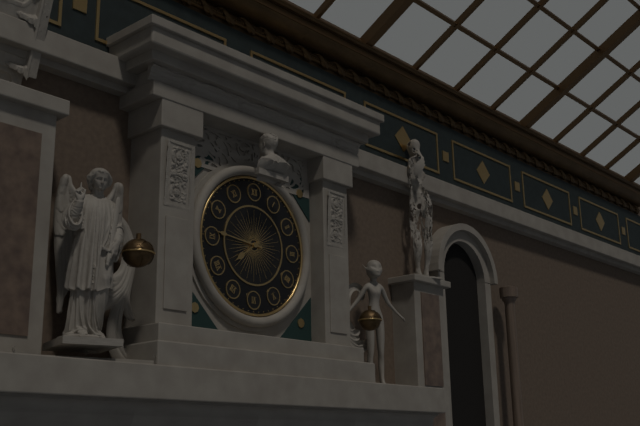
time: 7:46
